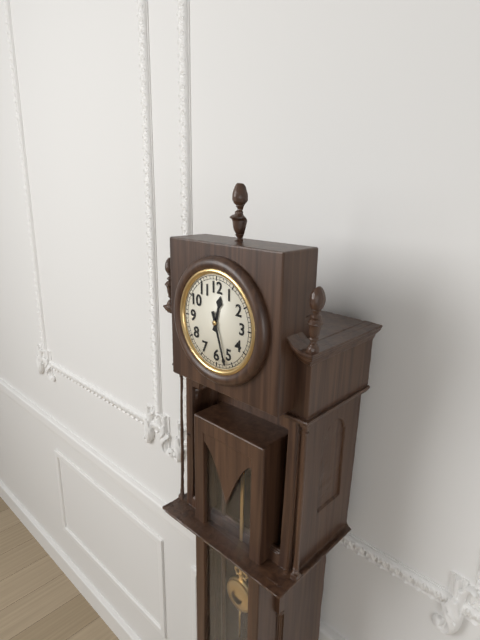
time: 12:27
